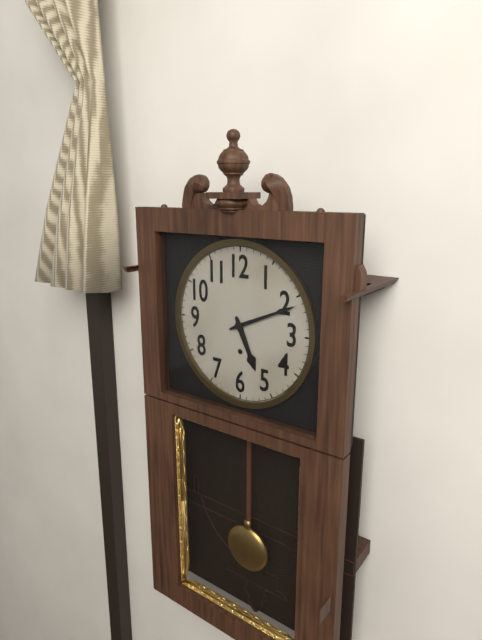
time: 5:11
